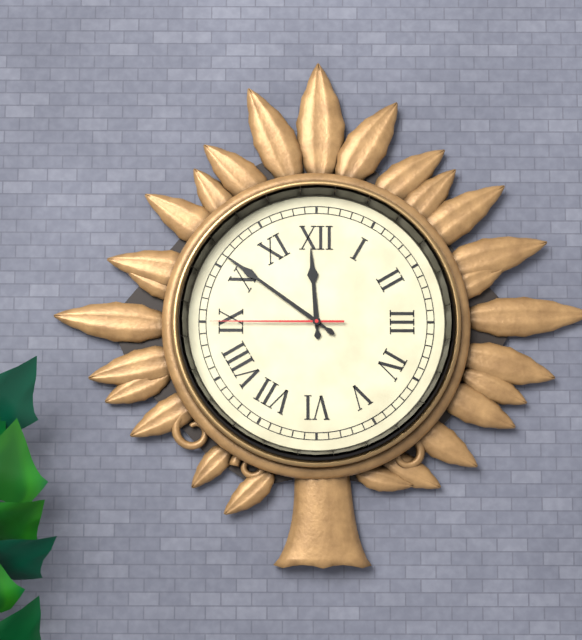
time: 11:51:45
